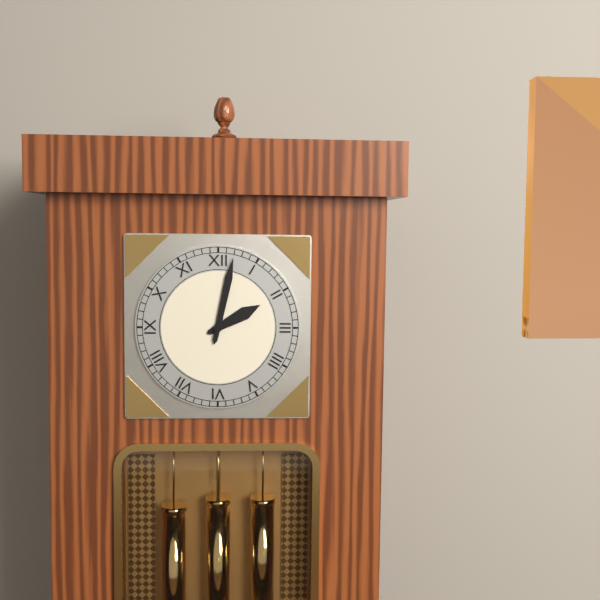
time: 2:02
